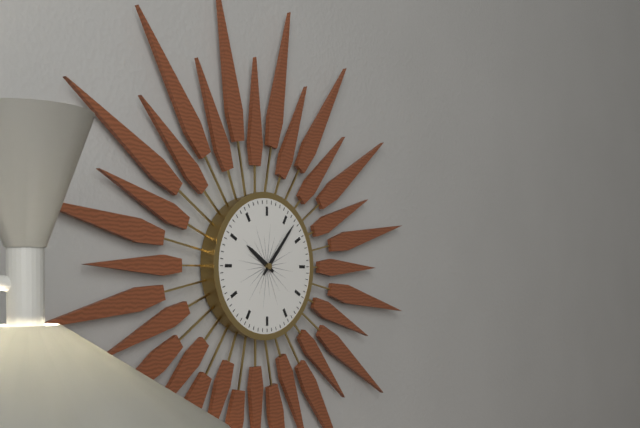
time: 10:07
